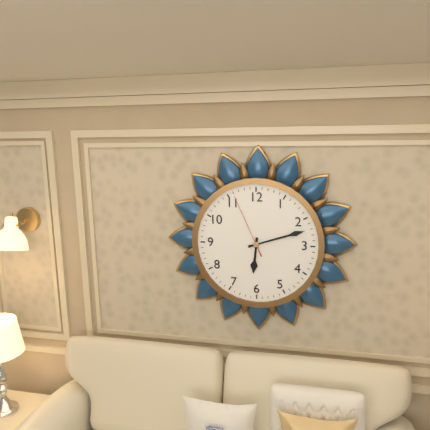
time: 6:12:56
